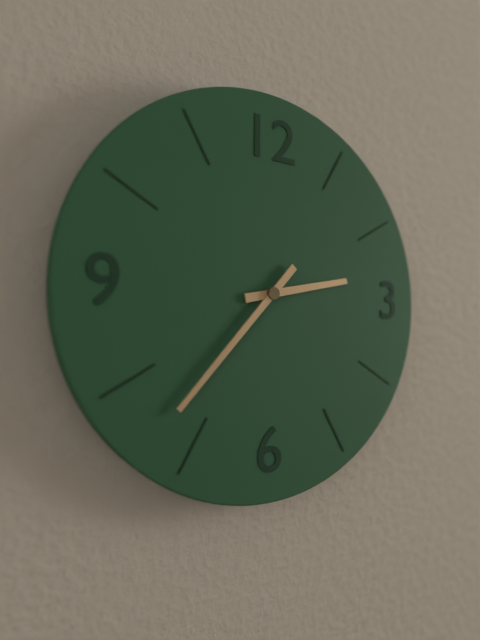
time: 2:37
